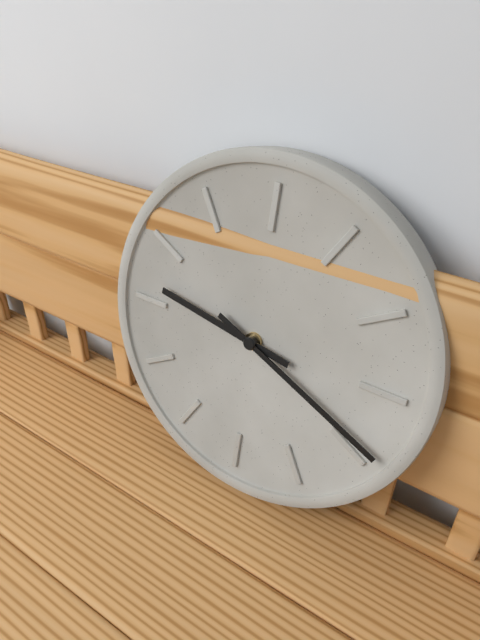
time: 9:19
